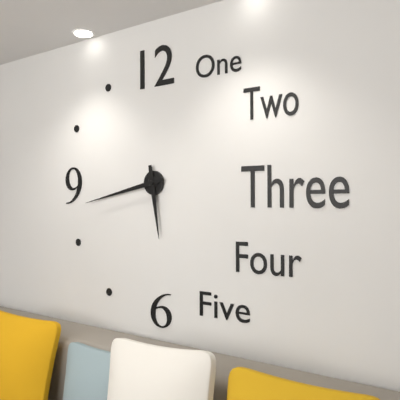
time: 5:43
